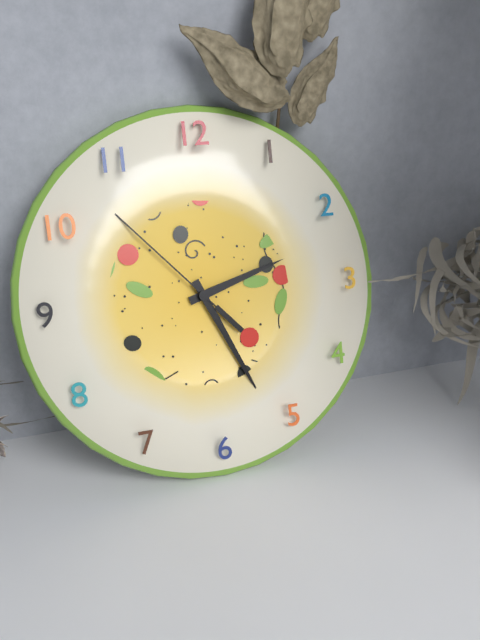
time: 2:26:53
